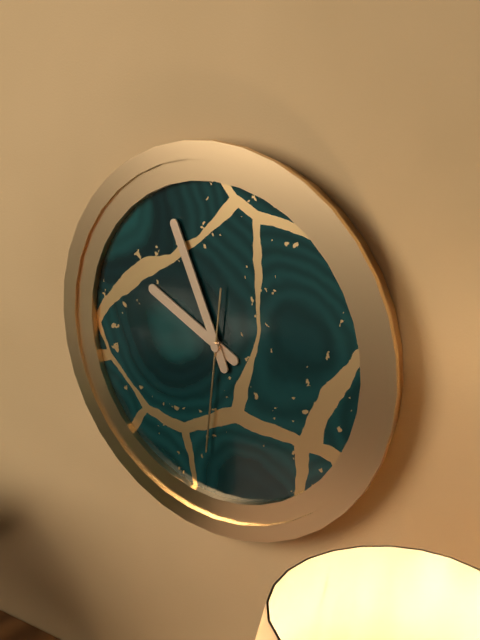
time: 9:56:31
